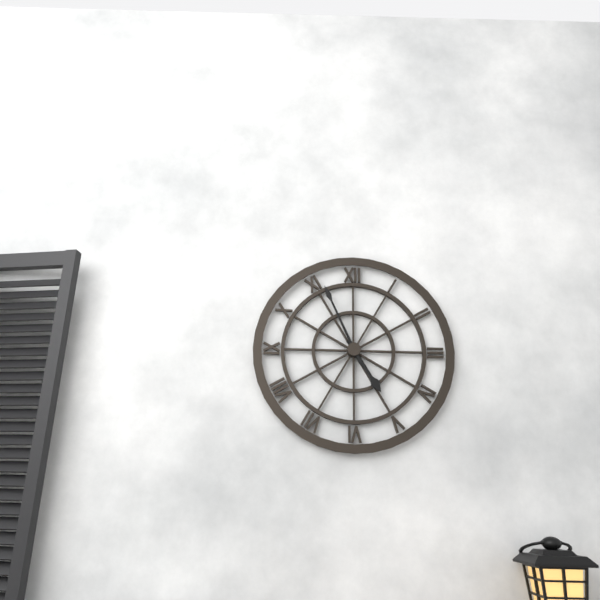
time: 4:56
